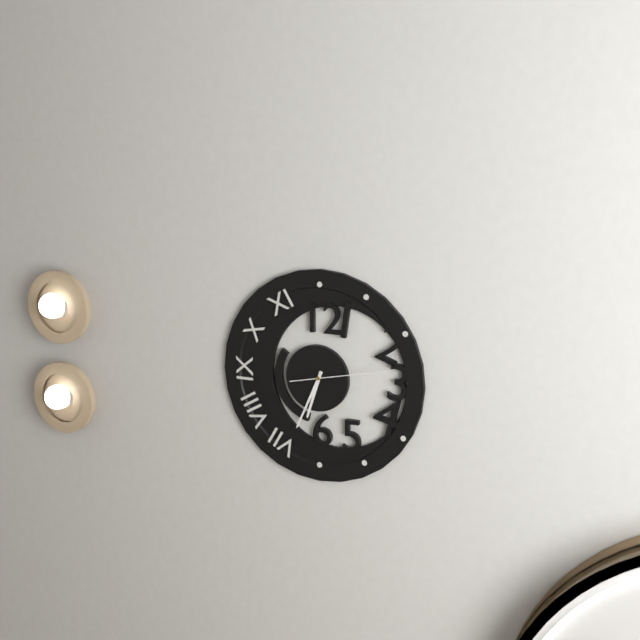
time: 6:34:13
